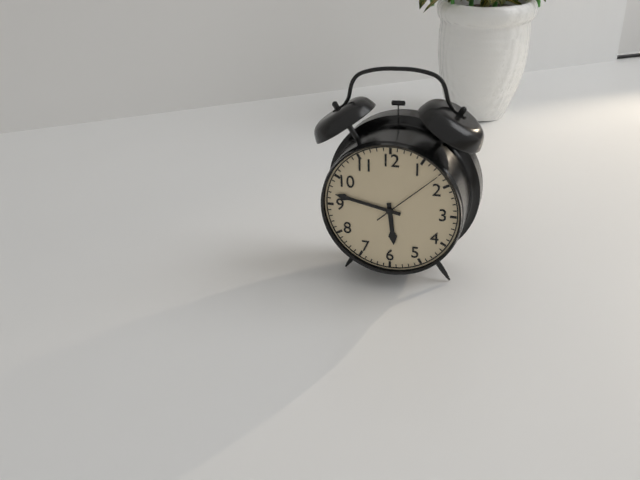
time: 5:47:08
